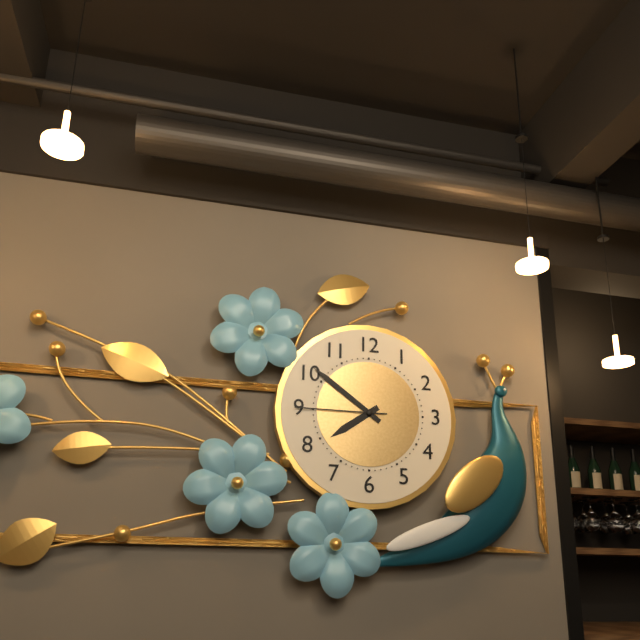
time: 7:51:45
